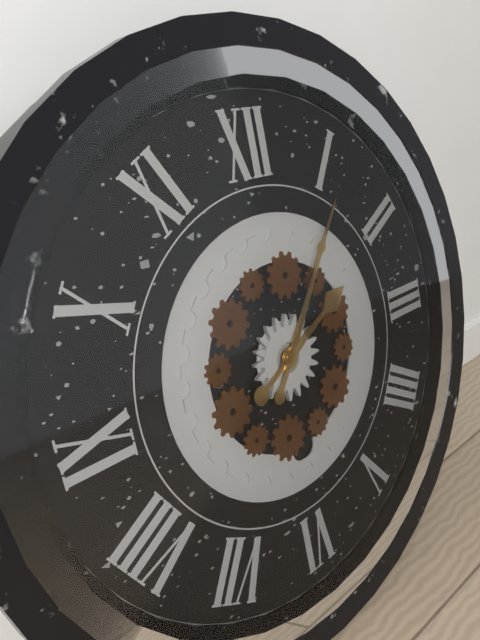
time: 2:06
